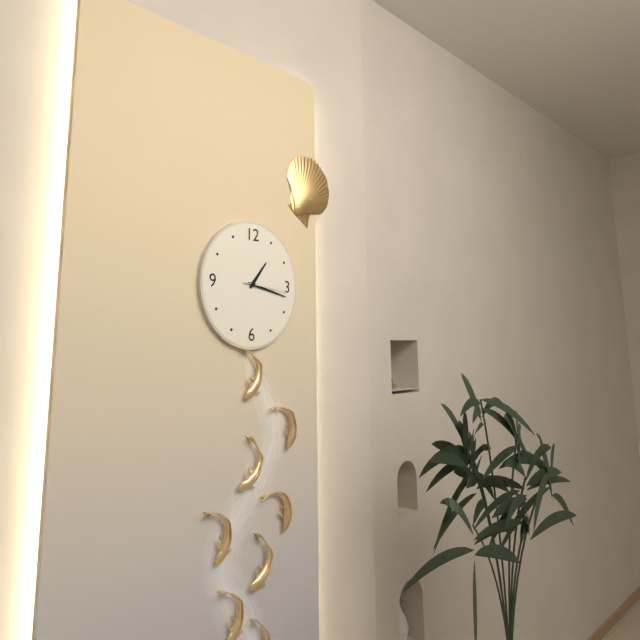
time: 1:17
